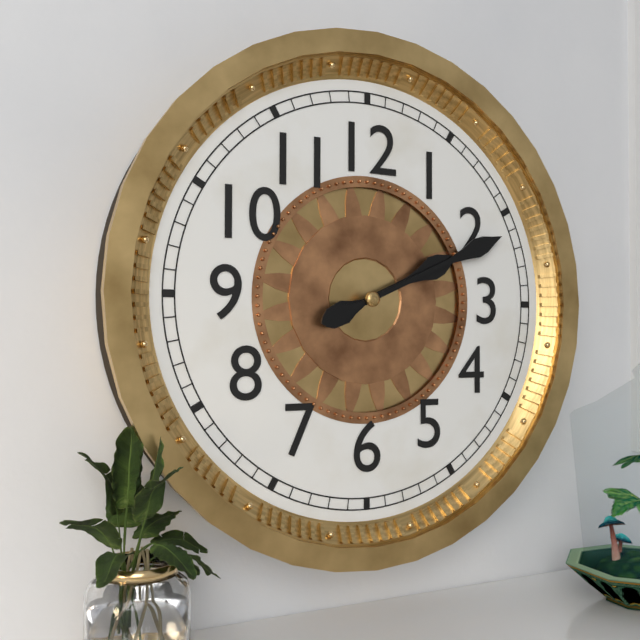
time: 2:11
